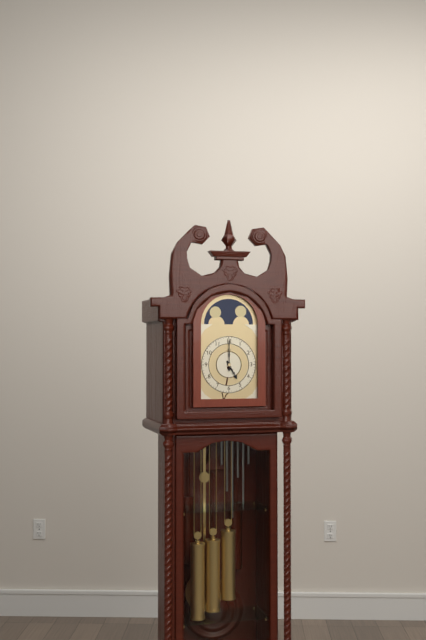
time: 5:00
